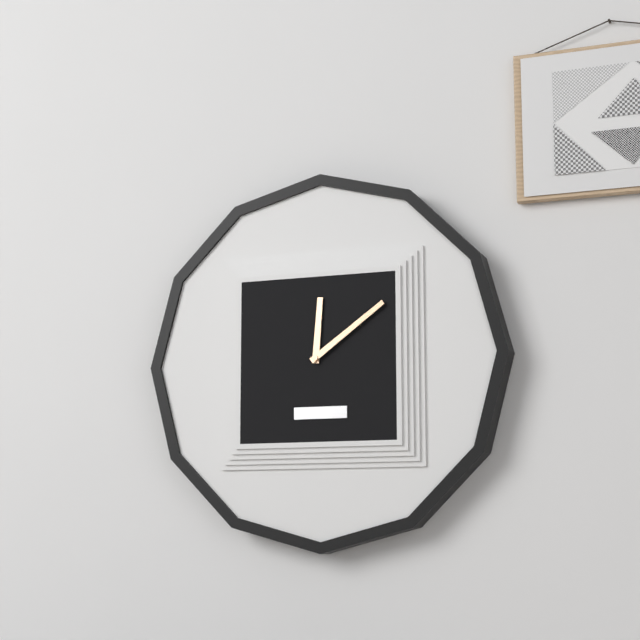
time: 12:09
